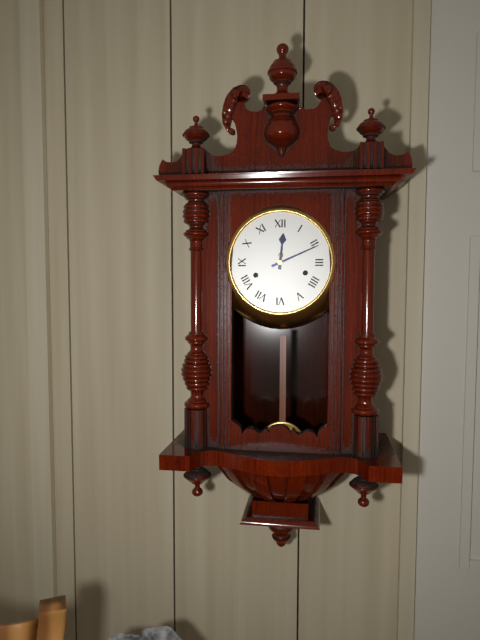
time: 12:11
